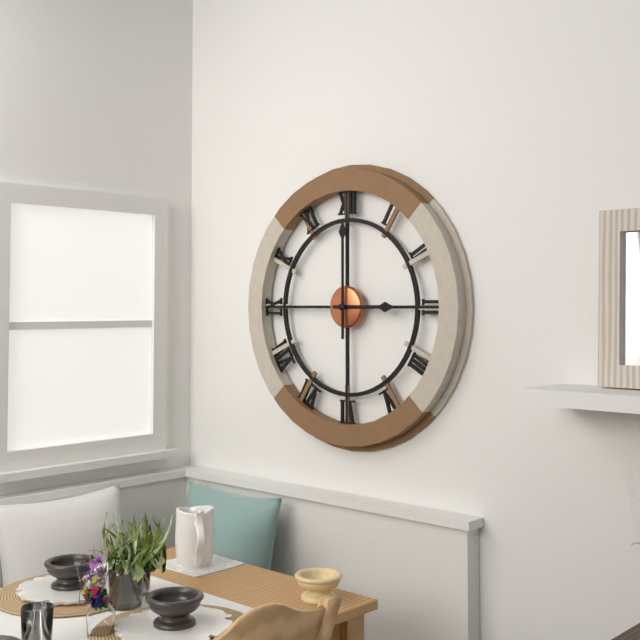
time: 3:00
